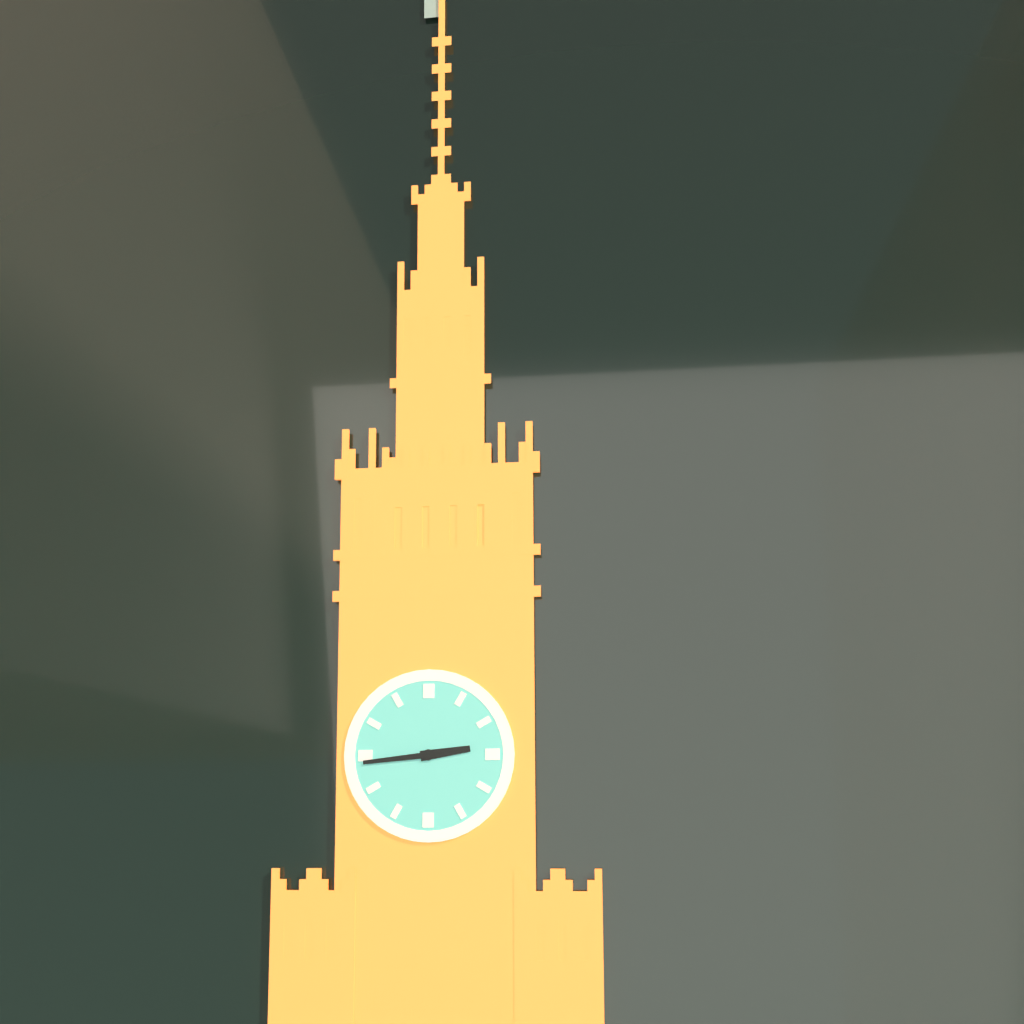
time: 2:44
